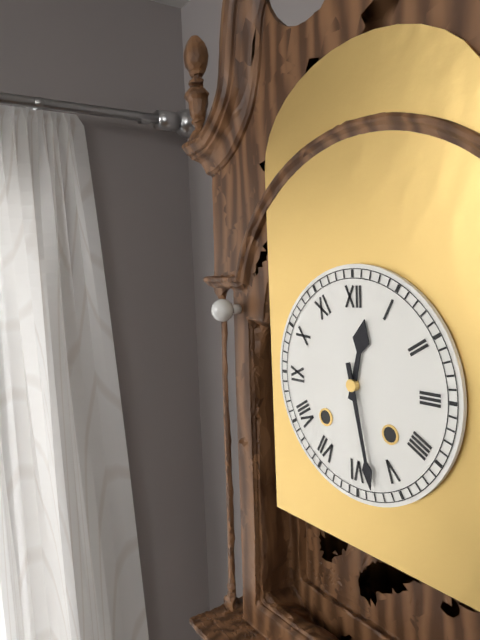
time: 12:28
